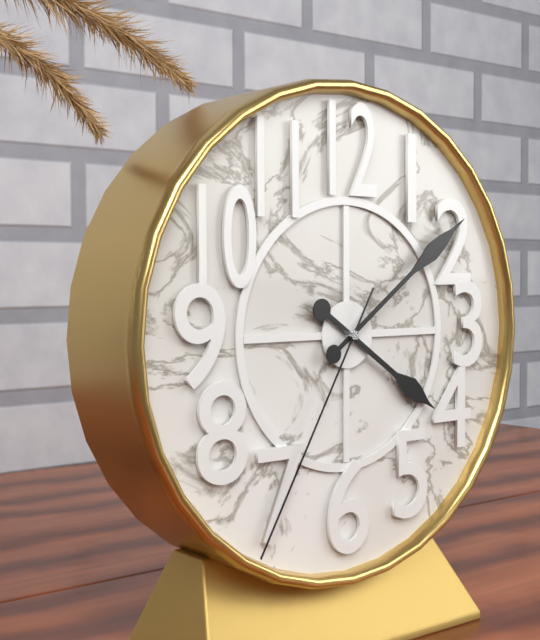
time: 4:09:35
